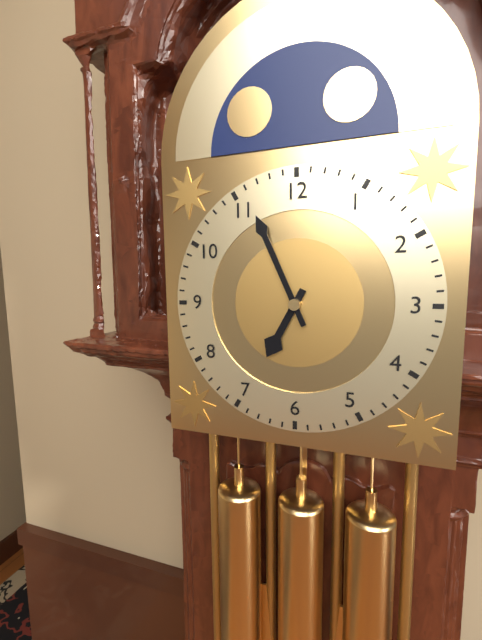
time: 6:56
